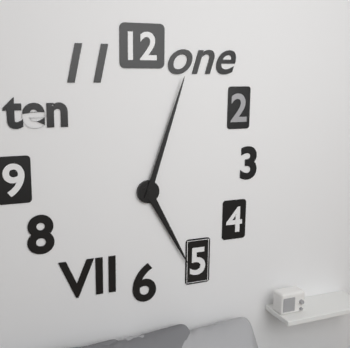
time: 5:03
